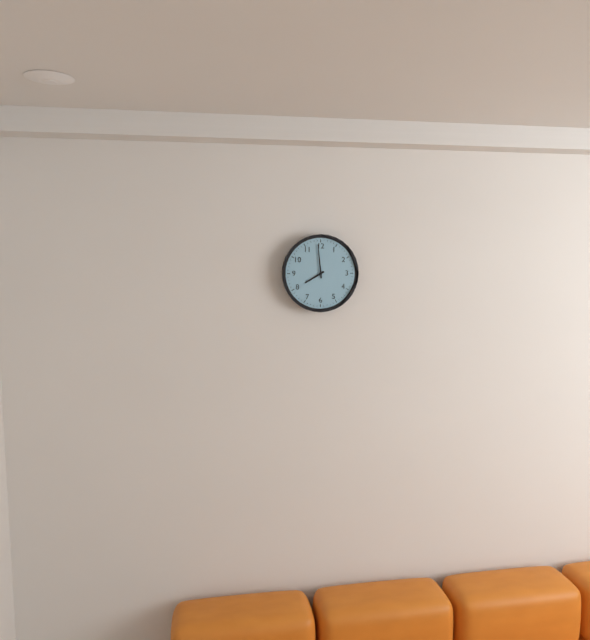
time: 7:59
